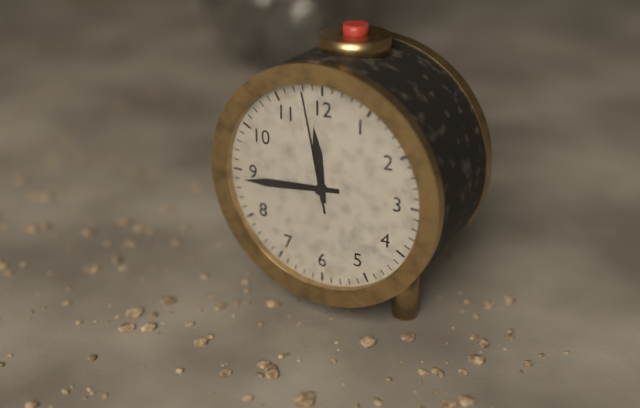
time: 11:44:58
